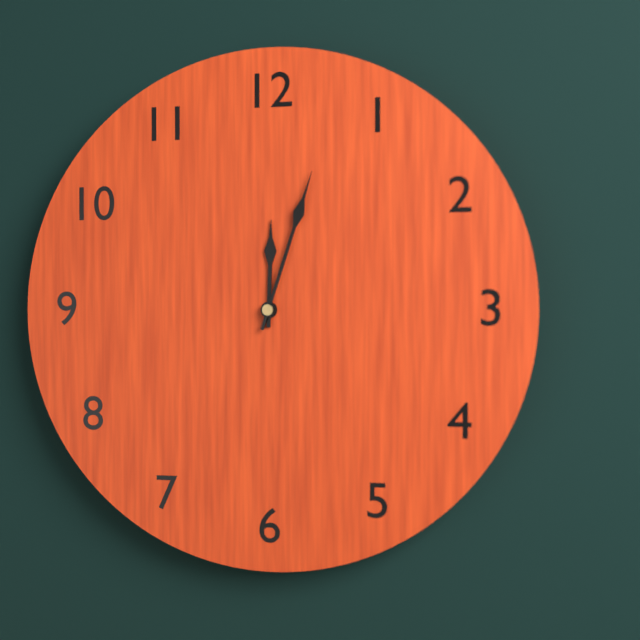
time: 12:03
